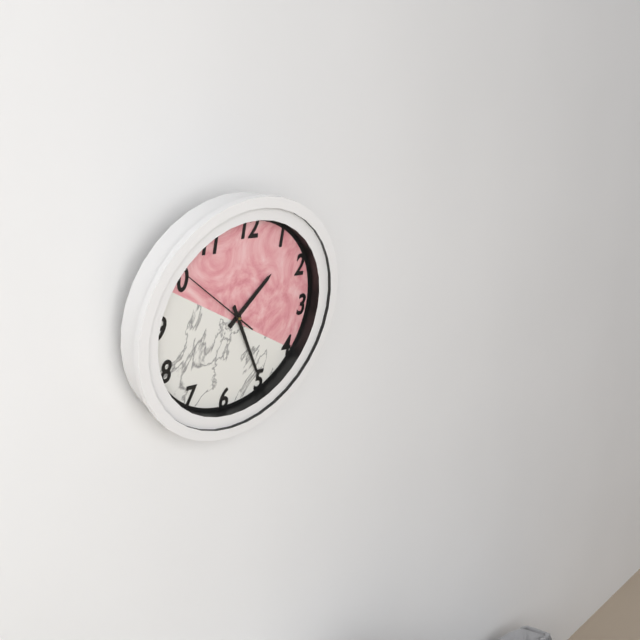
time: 1:25:51
